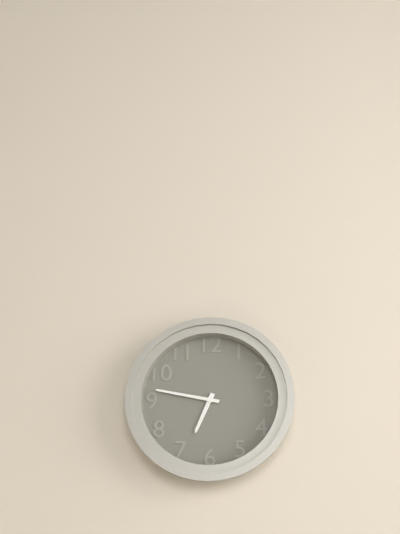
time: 6:47
